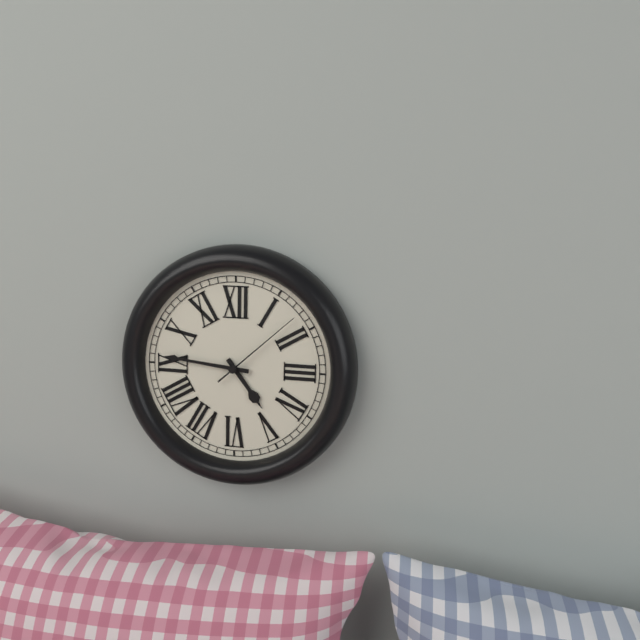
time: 4:46:08
